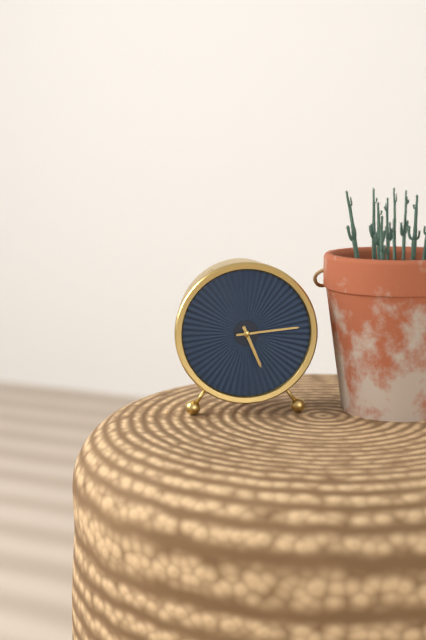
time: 5:14
